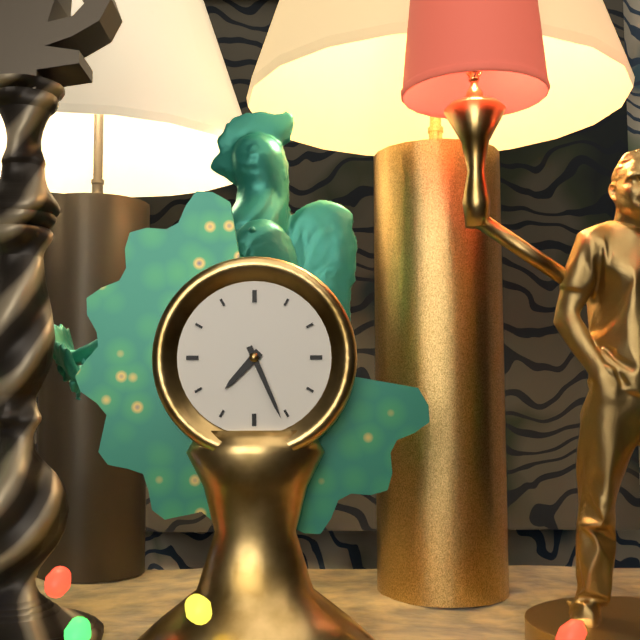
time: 7:26
